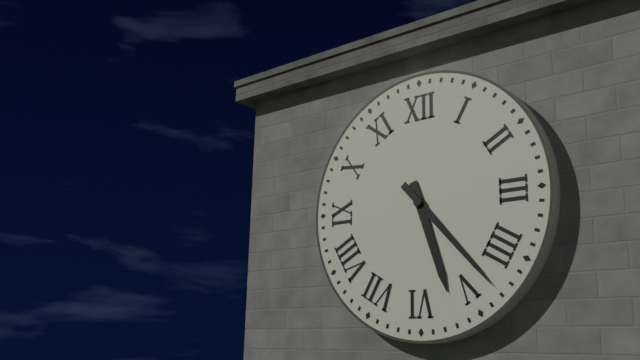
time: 5:23
